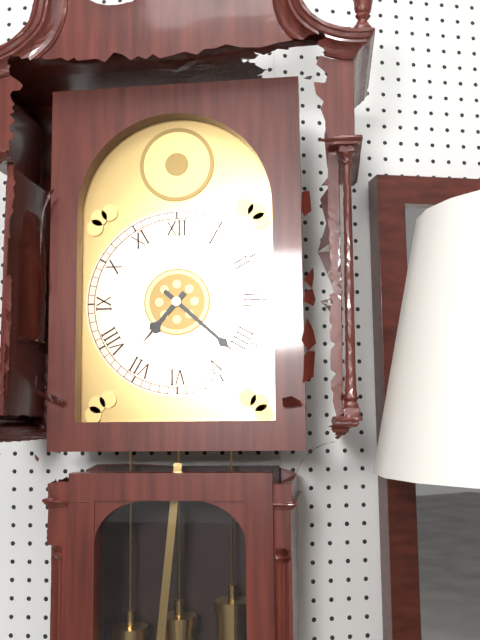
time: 7:22
